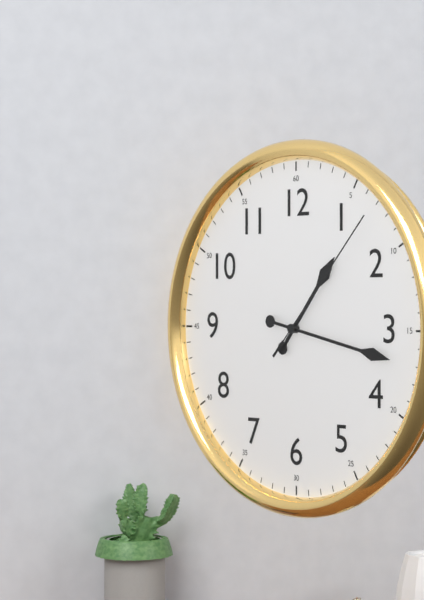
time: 1:17:07
